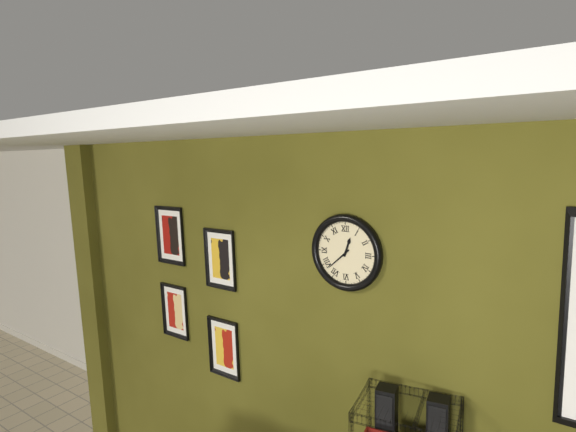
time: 12:38
